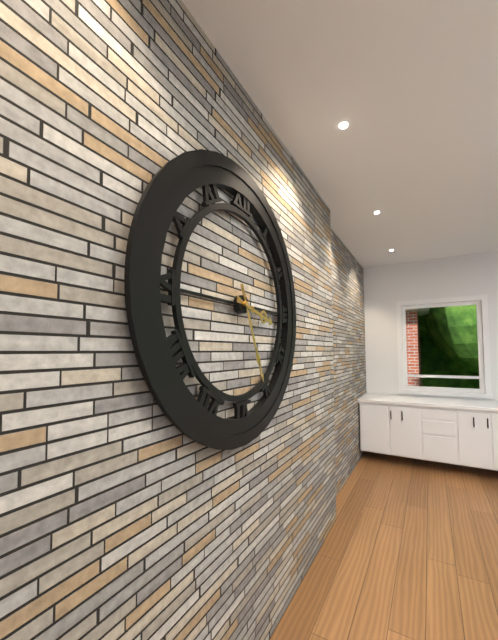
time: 3:26
